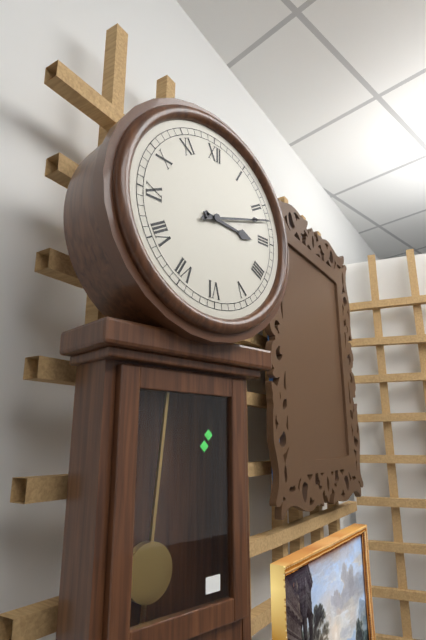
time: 3:12
